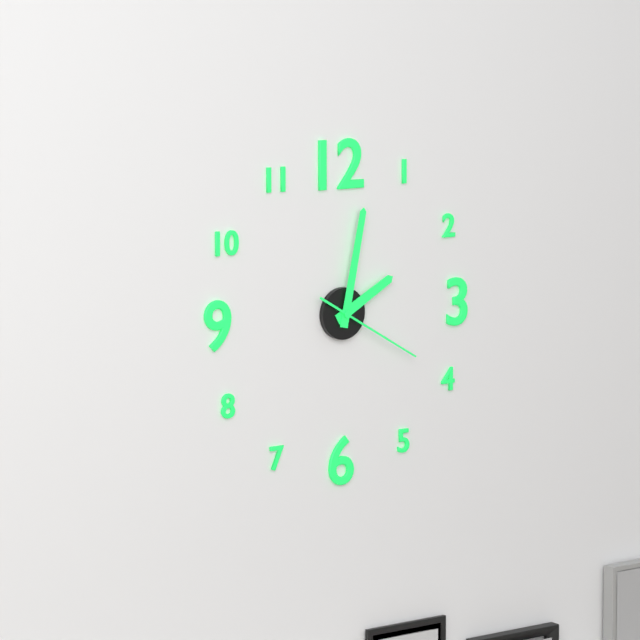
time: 2:02:20
